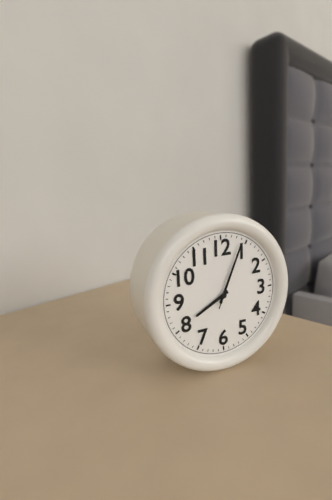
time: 8:04:04
